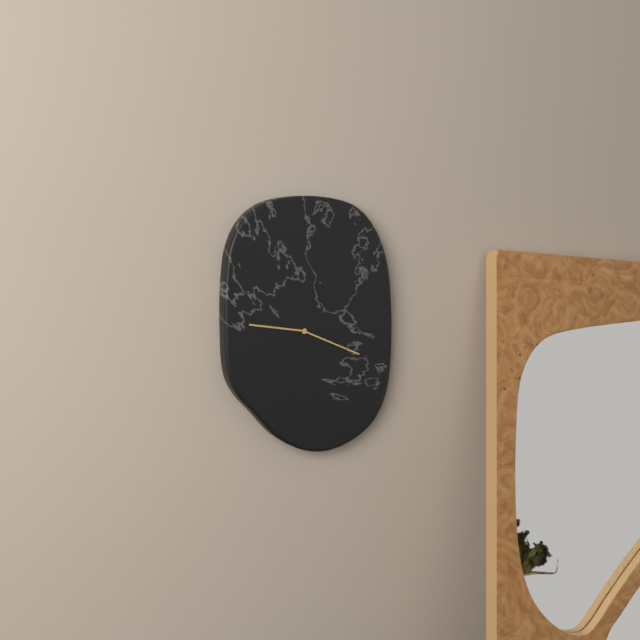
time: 9:19
